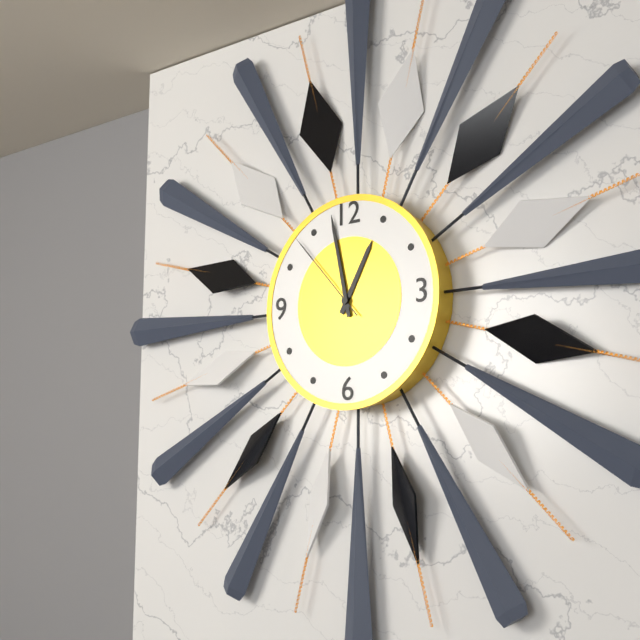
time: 12:58:53
